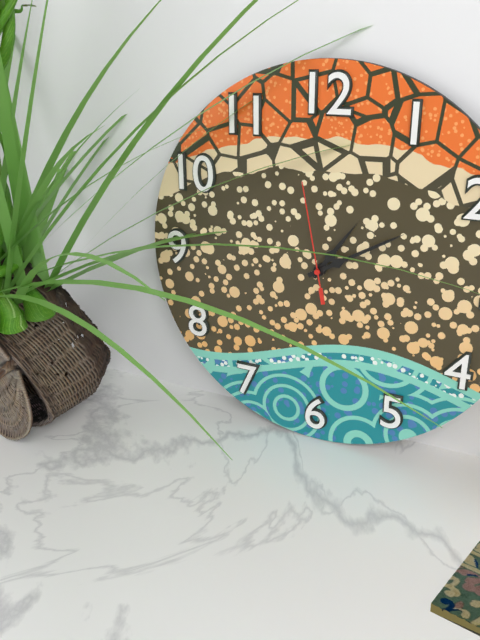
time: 1:10:58
